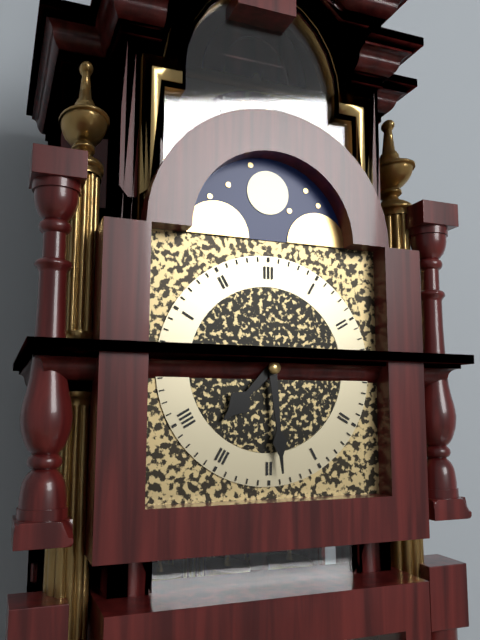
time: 7:29
